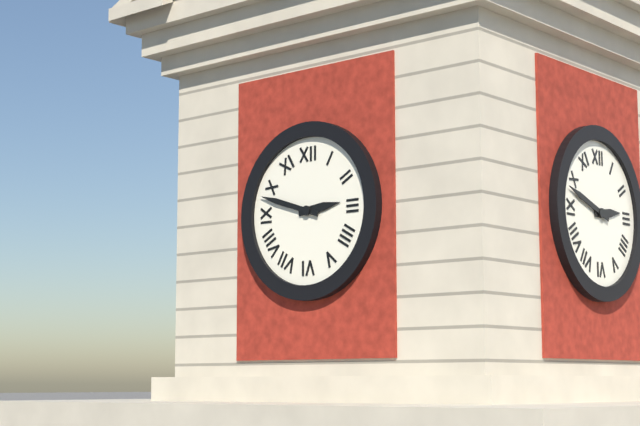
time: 2:48
